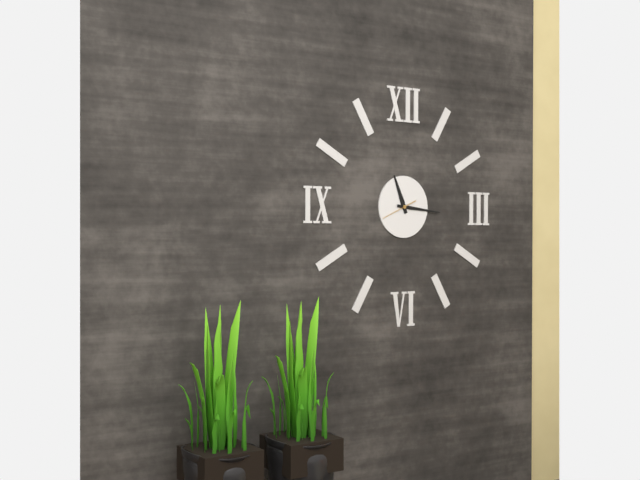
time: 11:16
